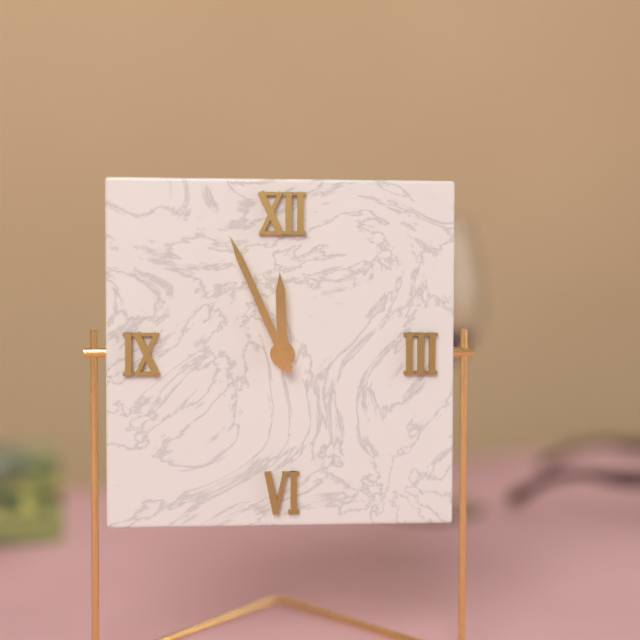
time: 11:56
